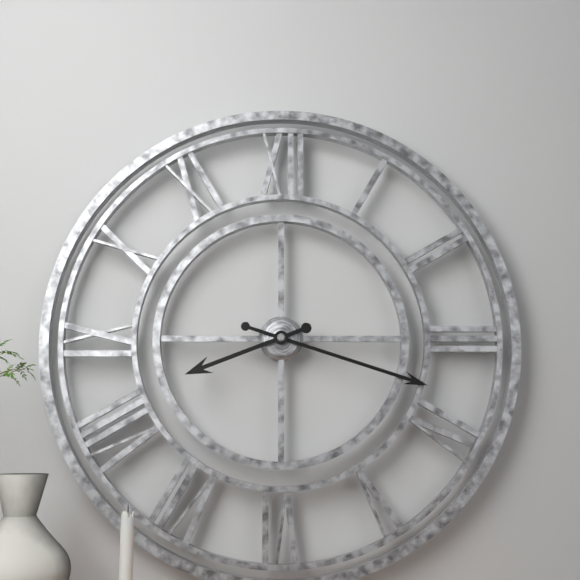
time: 8:18
